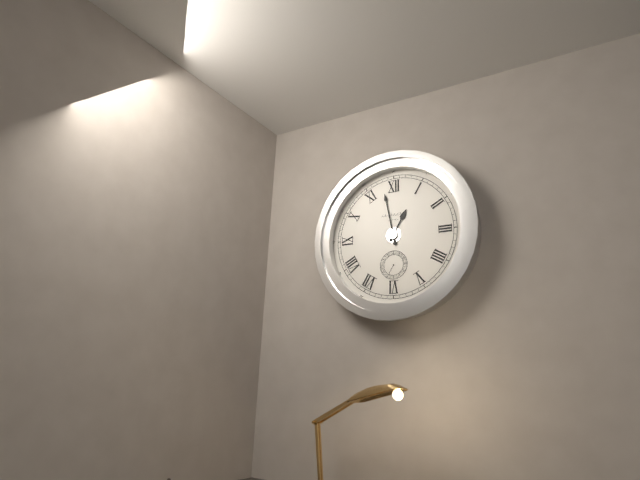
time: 12:58
